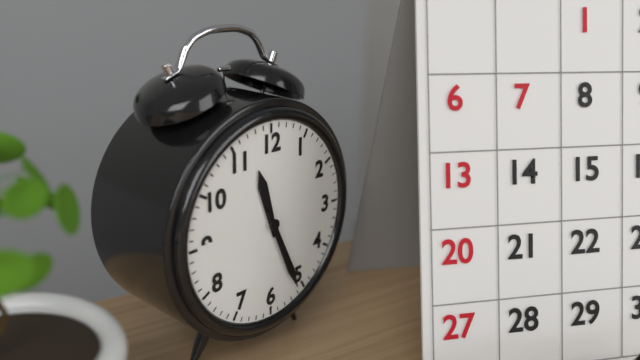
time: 11:26
